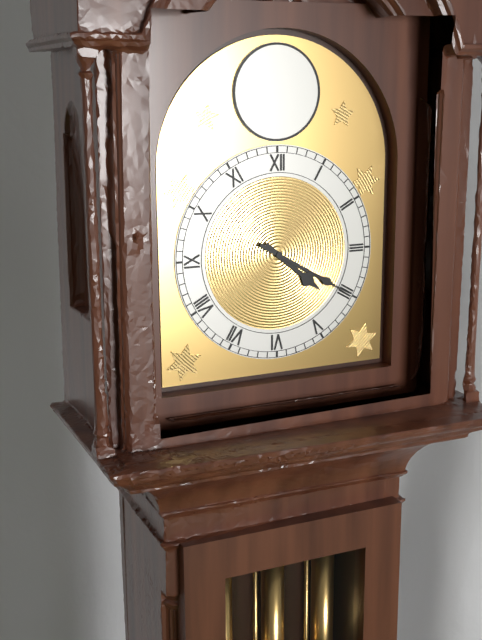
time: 4:20
